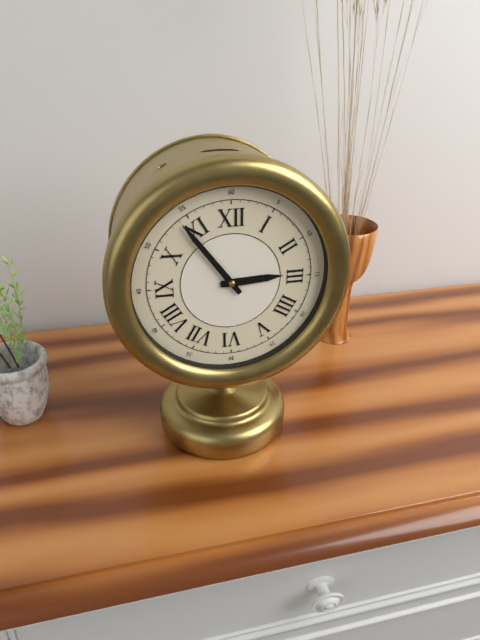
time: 2:54
